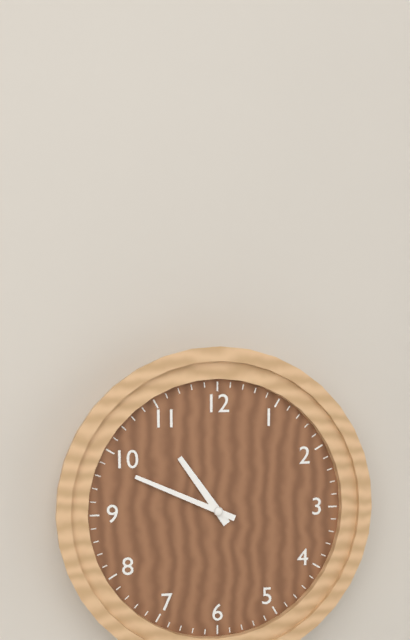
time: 10:49
